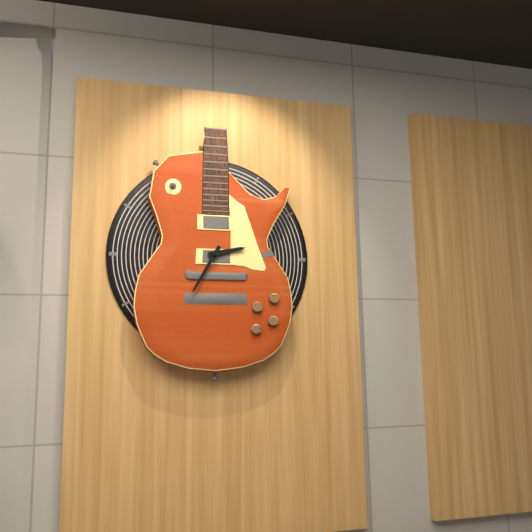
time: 2:35
